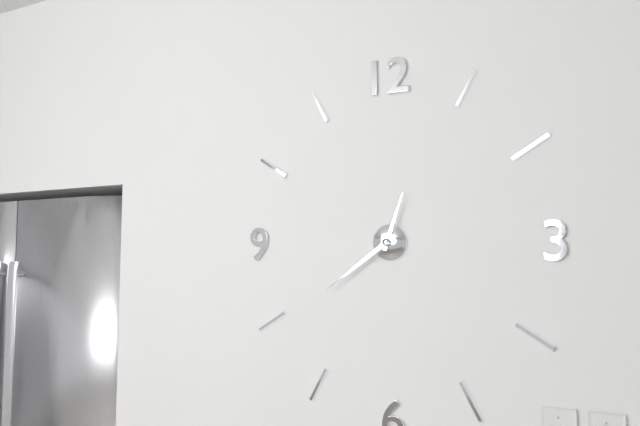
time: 12:39
